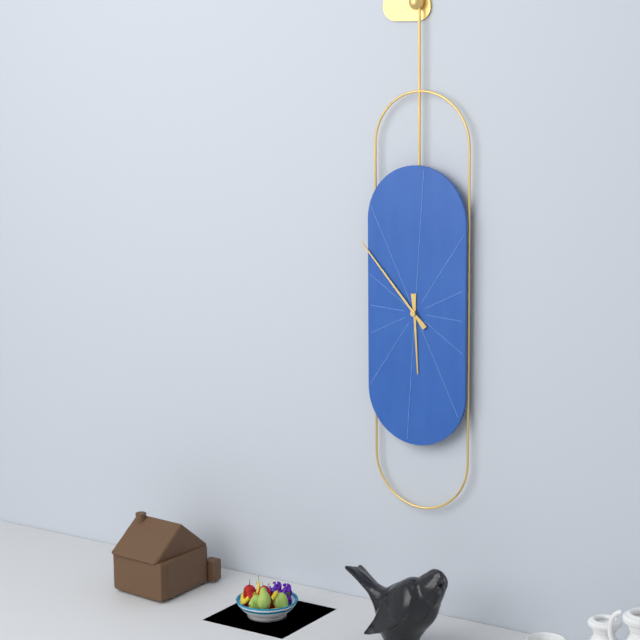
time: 5:53
